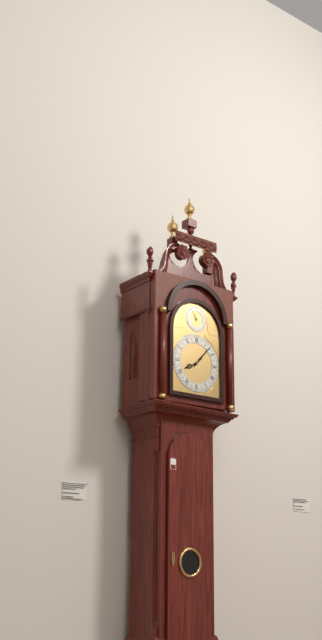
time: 8:07
